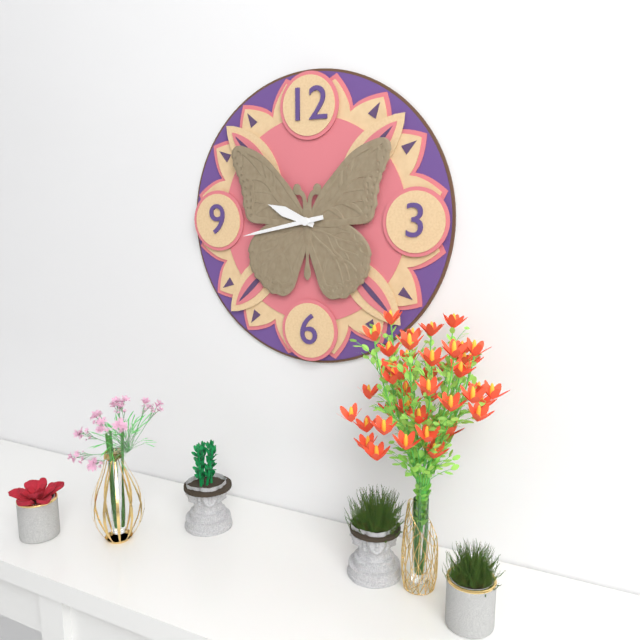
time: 9:43
